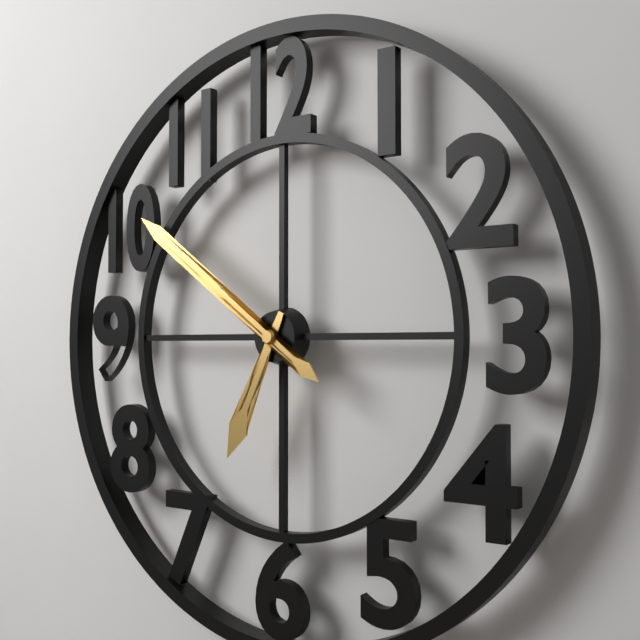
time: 6:51
